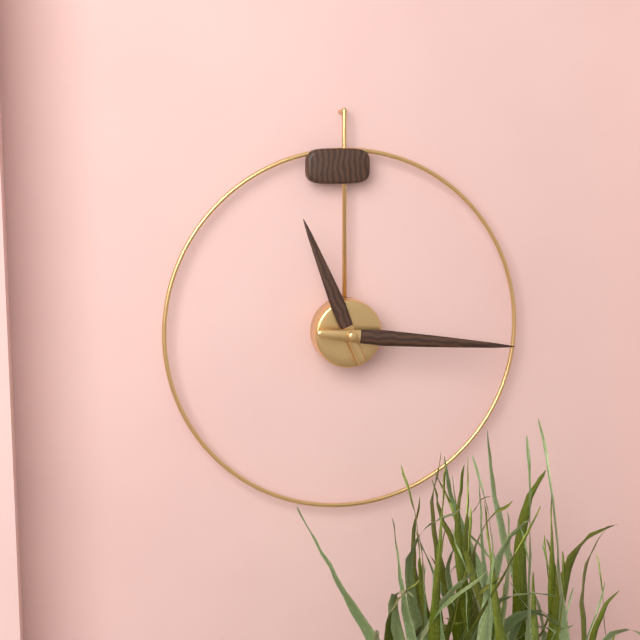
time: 11:16
